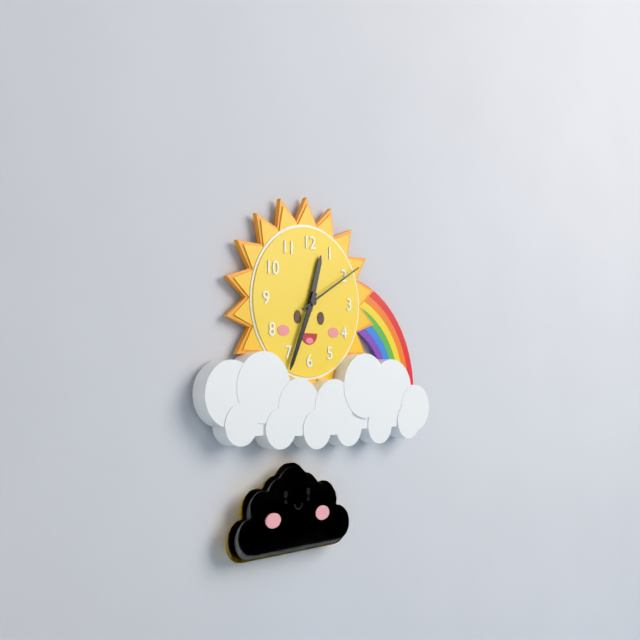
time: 12:34:10
